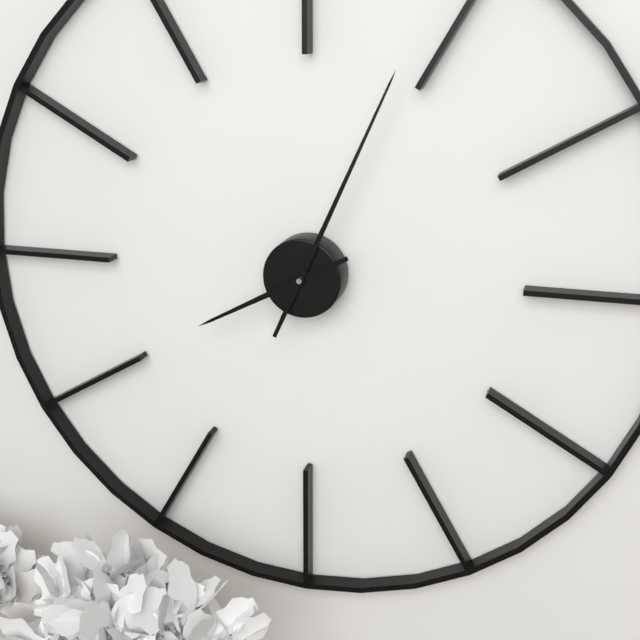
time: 8:04
